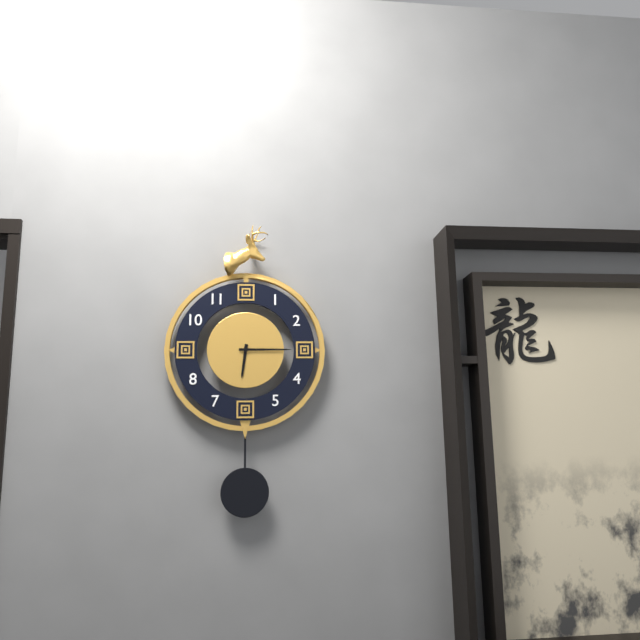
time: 6:15
